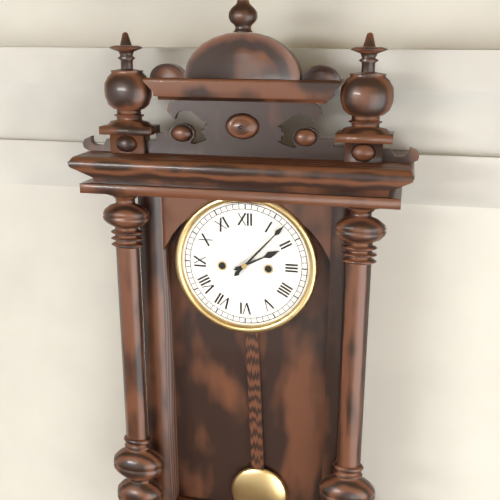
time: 2:07
